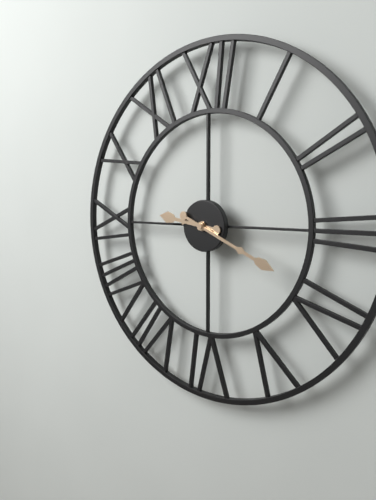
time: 9:19
